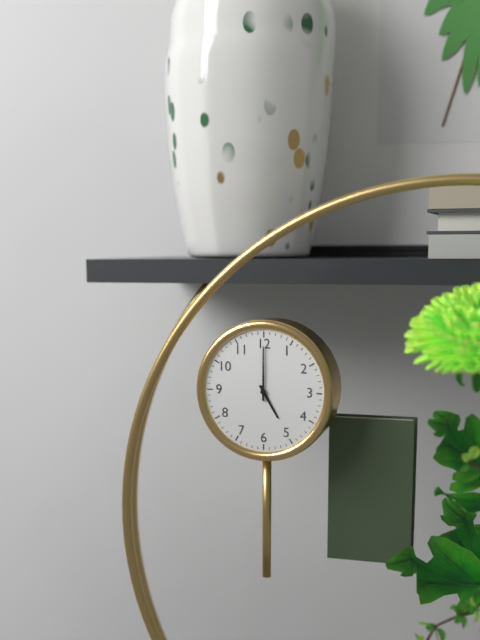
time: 5:00
